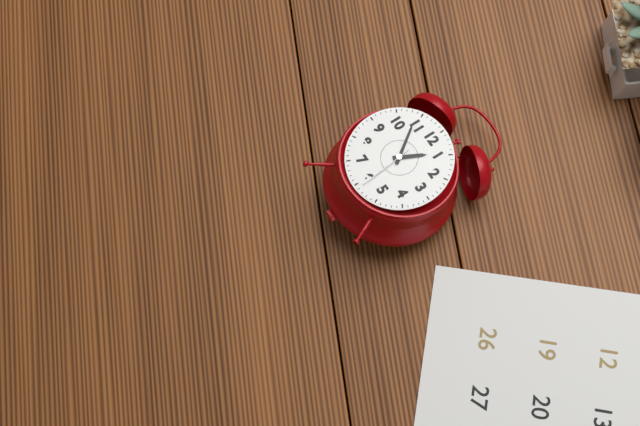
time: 12:54:29
